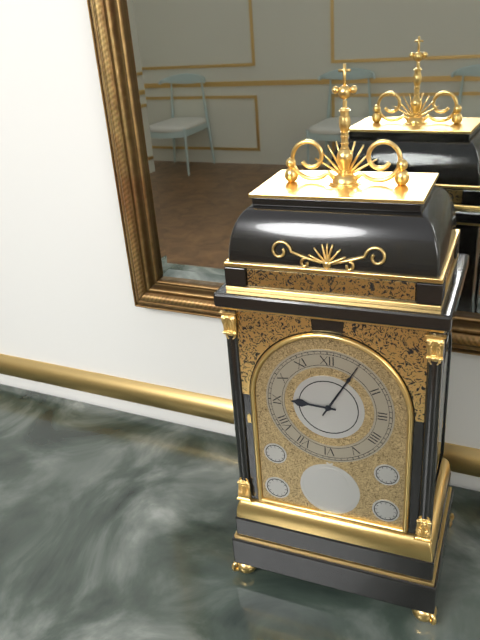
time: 9:05
